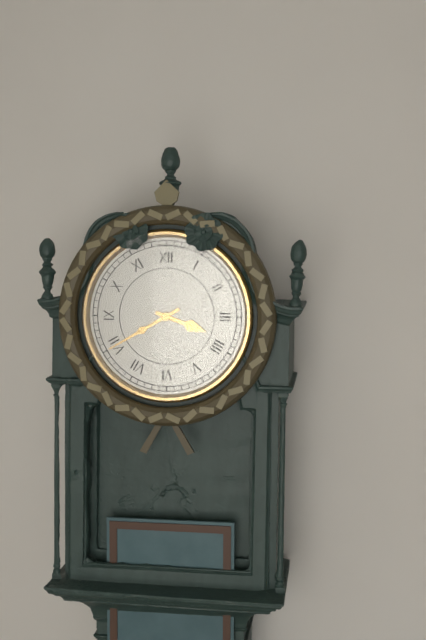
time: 3:40
